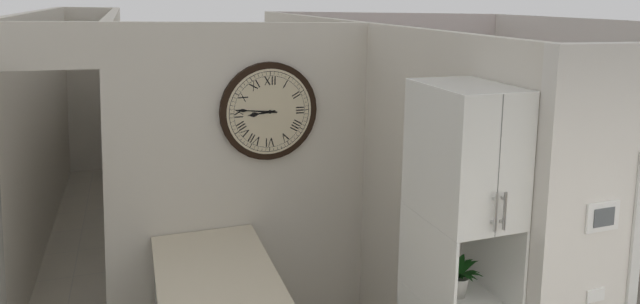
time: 8:46
